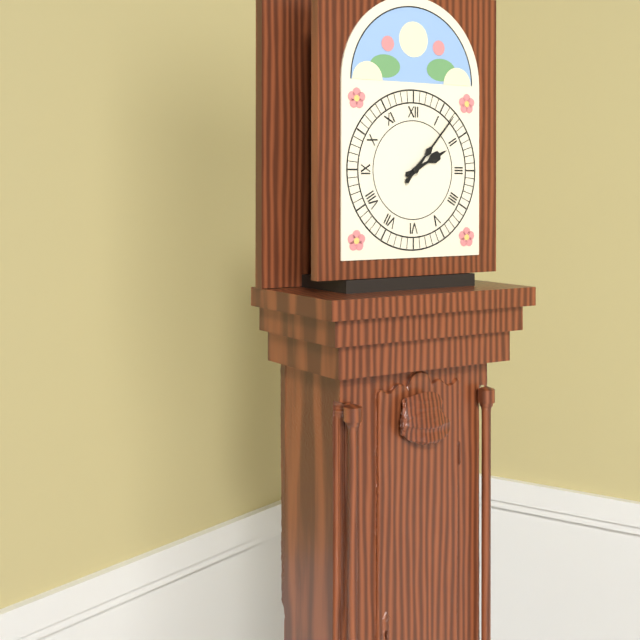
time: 2:07
